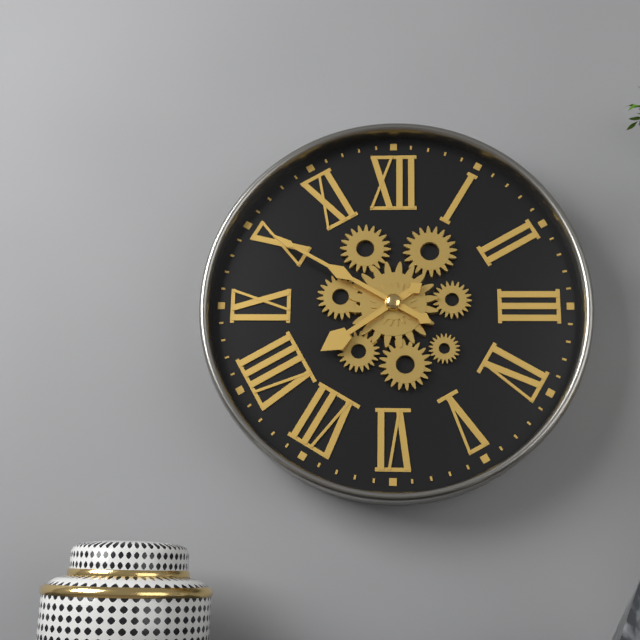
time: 7:50
